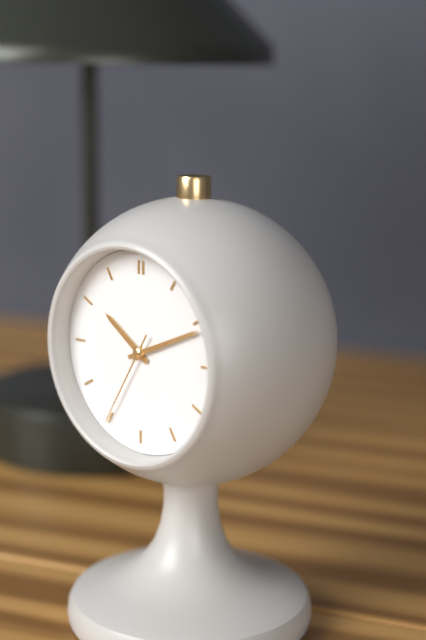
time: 10:11:35
